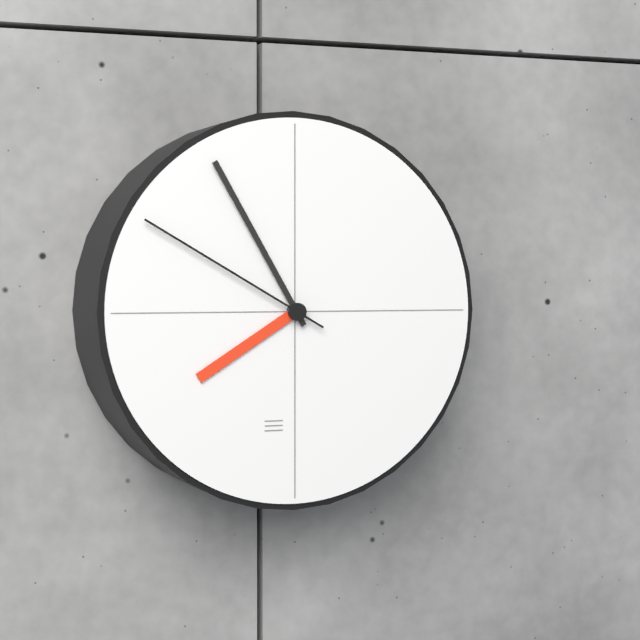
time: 7:55:50
